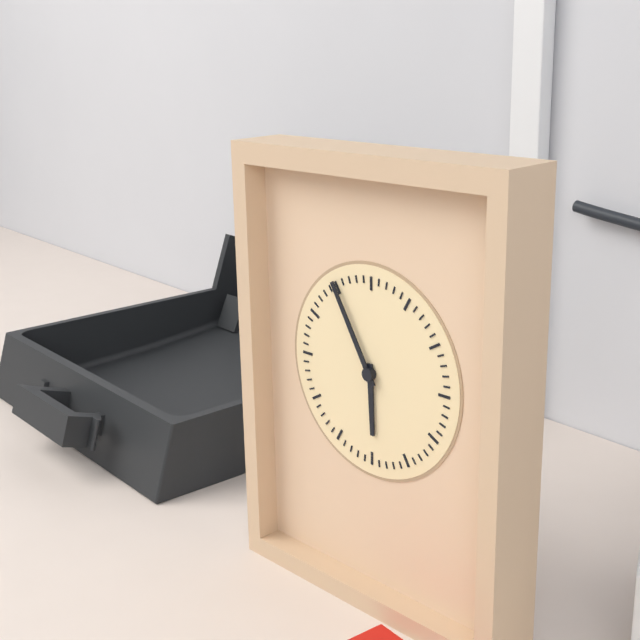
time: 5:55
